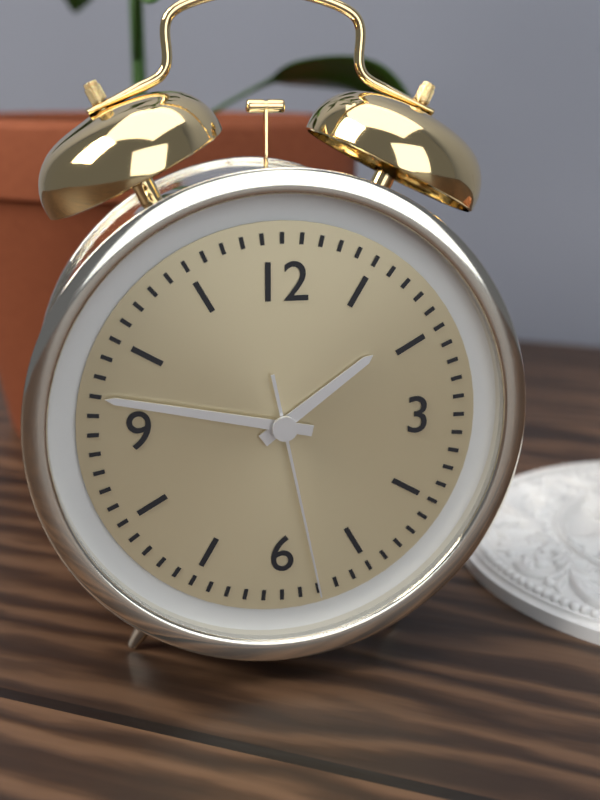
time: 1:47:28
